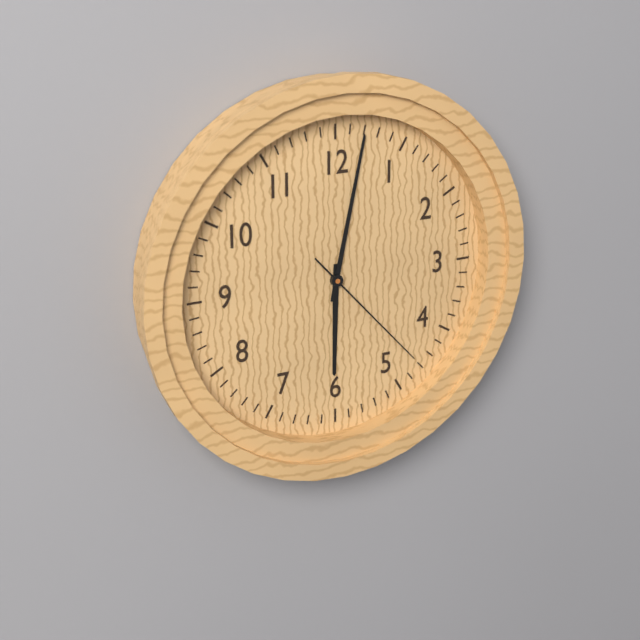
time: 6:02:23
